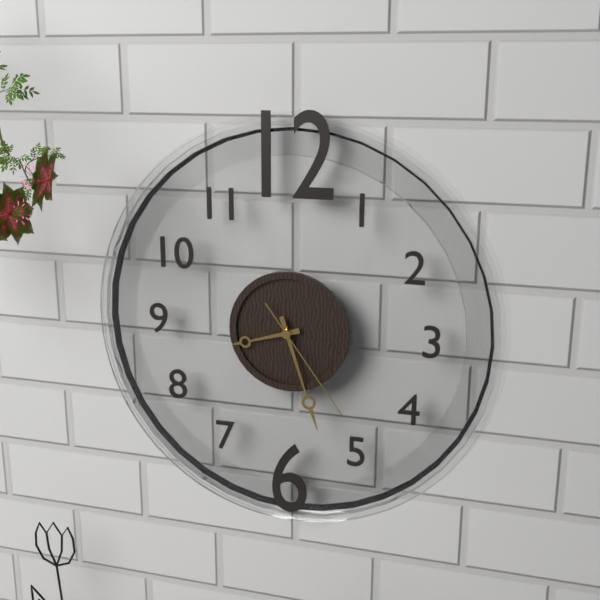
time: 8:27:24
